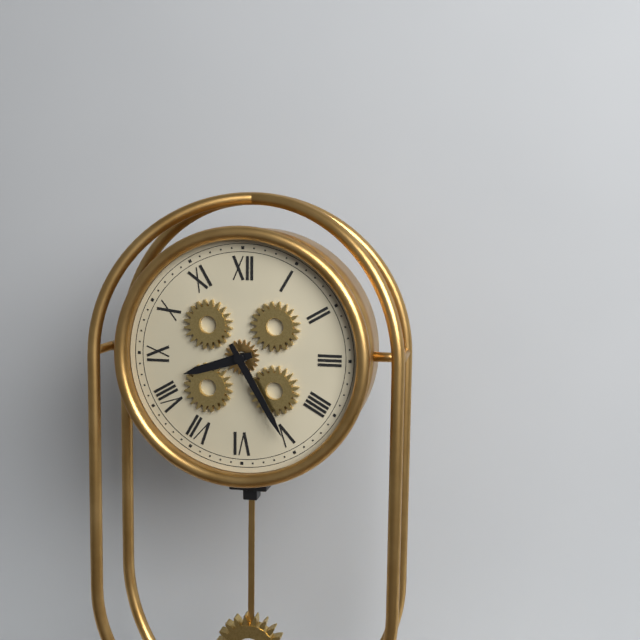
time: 8:25
